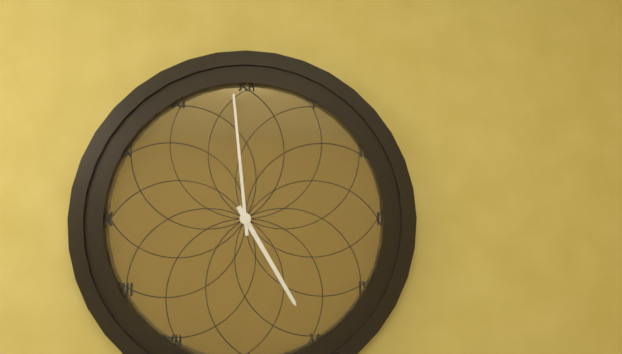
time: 4:59
